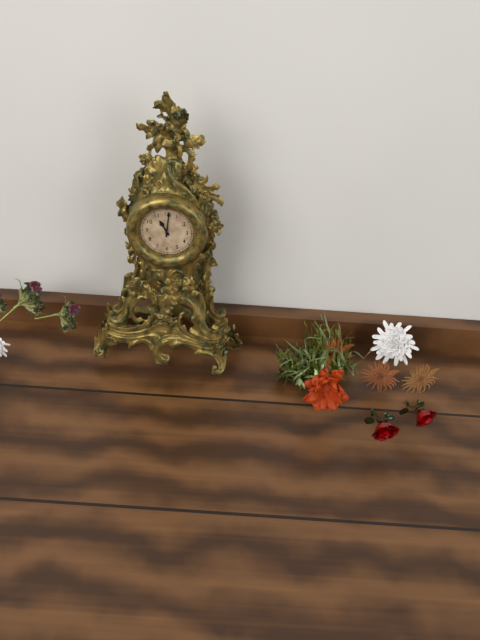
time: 11:01
